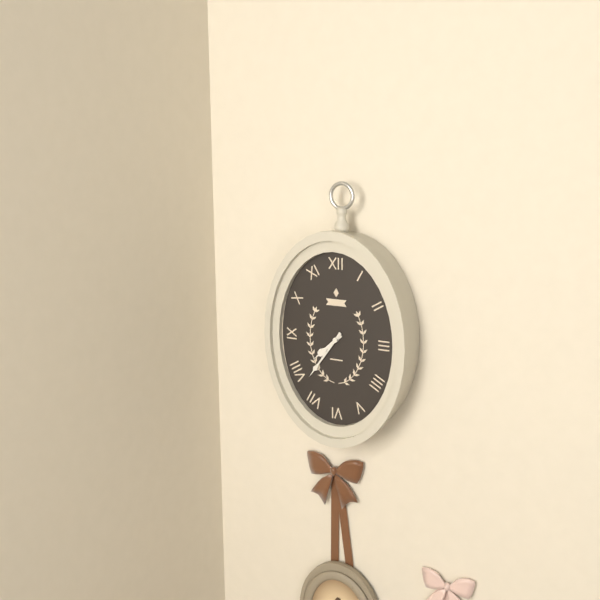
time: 7:36
